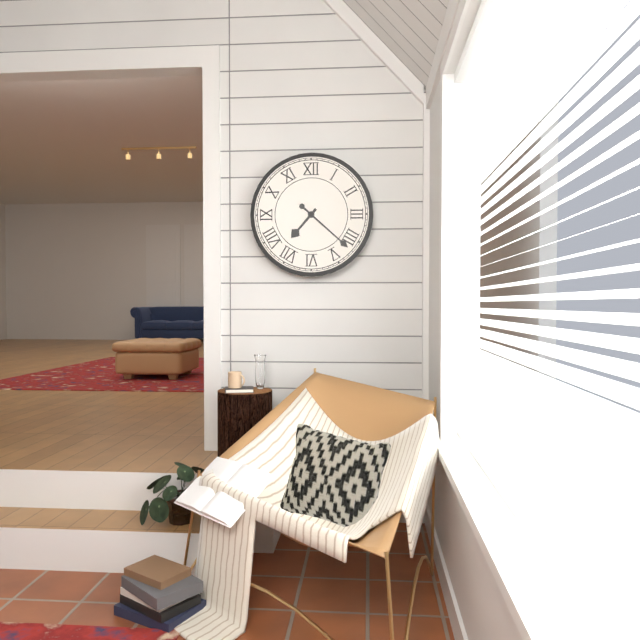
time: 7:22
